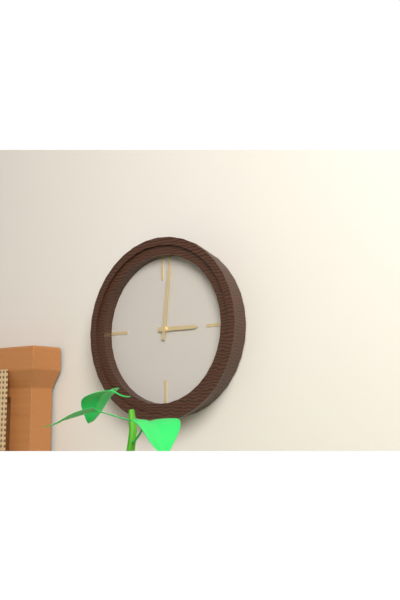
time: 3:01
